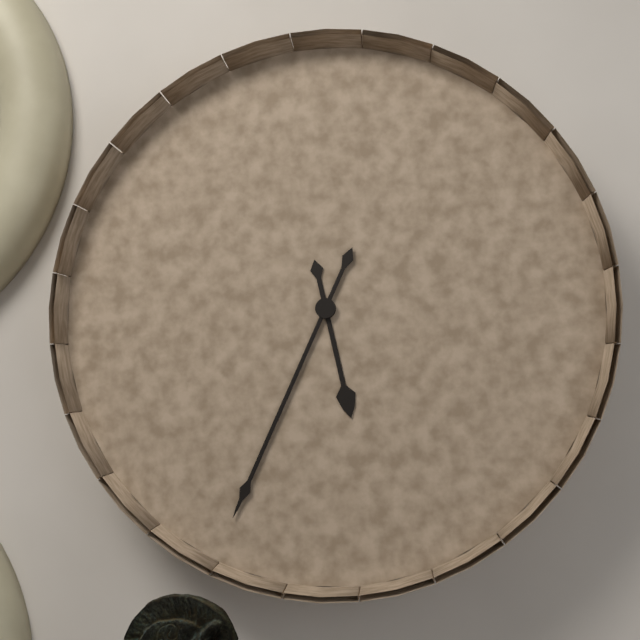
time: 5:34
